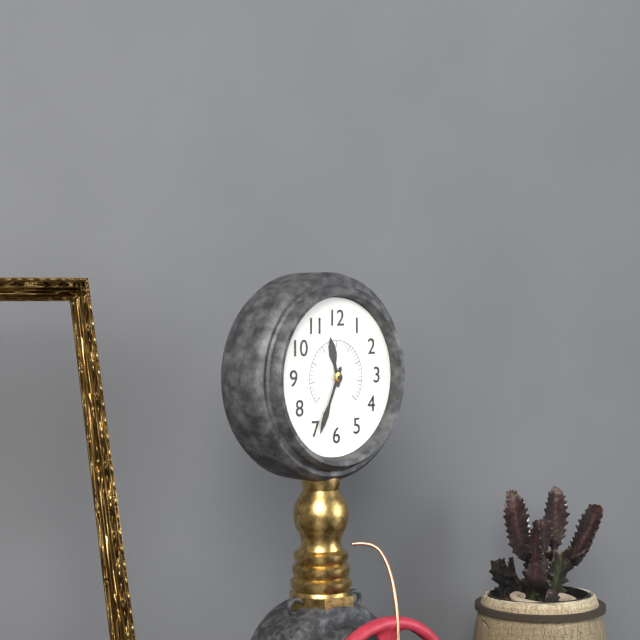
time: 11:34
